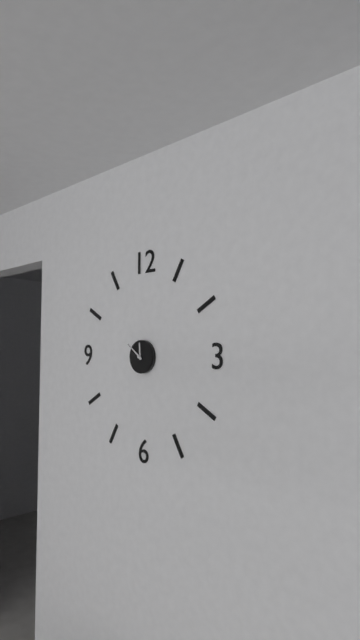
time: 11:51
